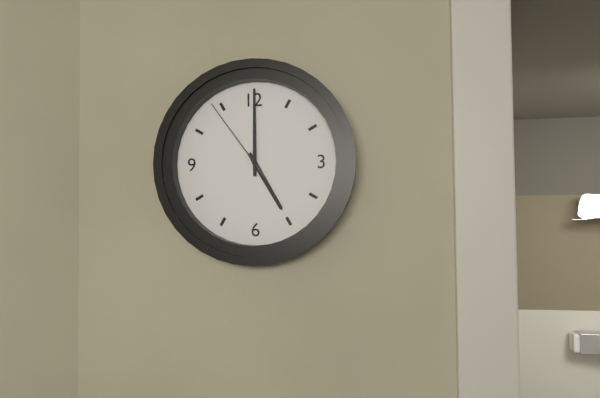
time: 5:00:54
